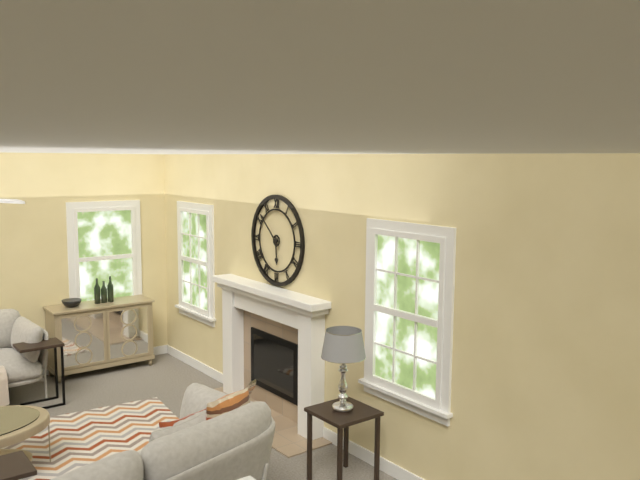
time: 5:52
